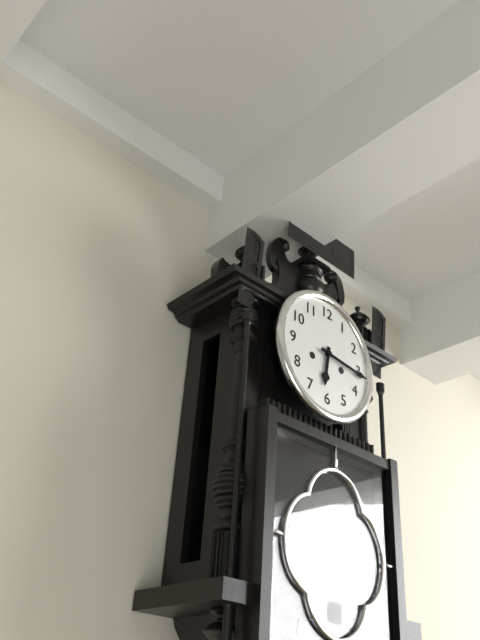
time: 6:16
